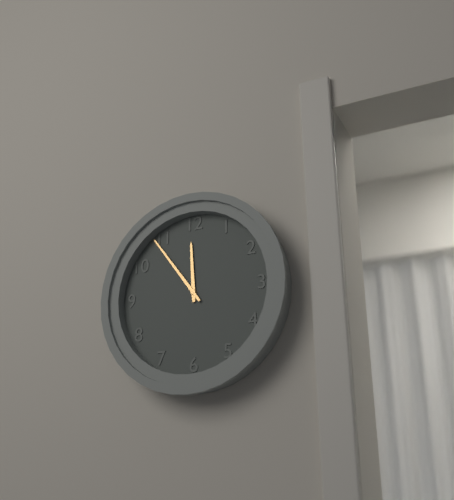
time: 11:54
